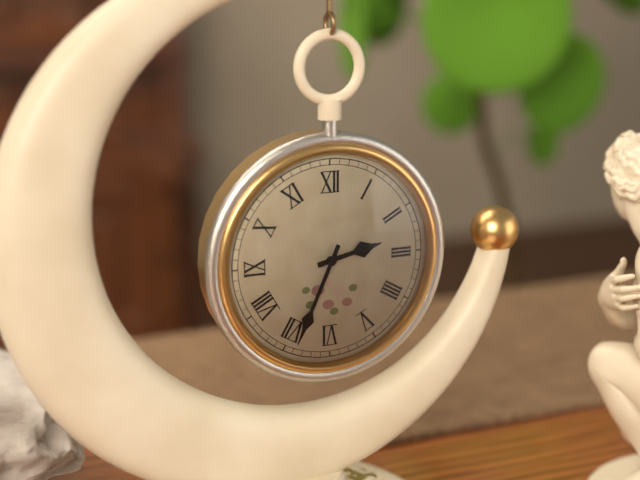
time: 2:34
